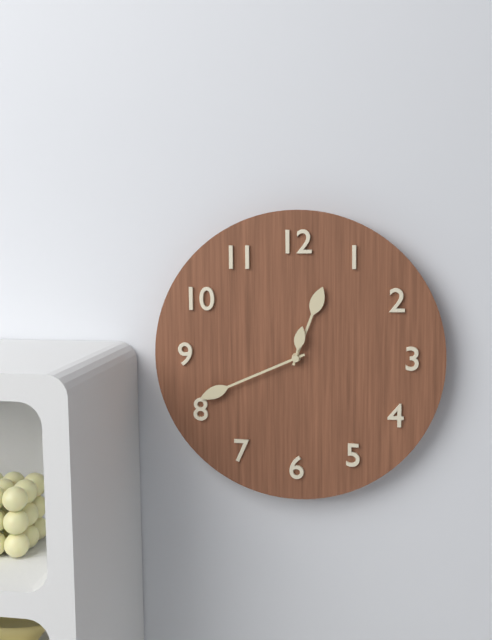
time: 12:41
